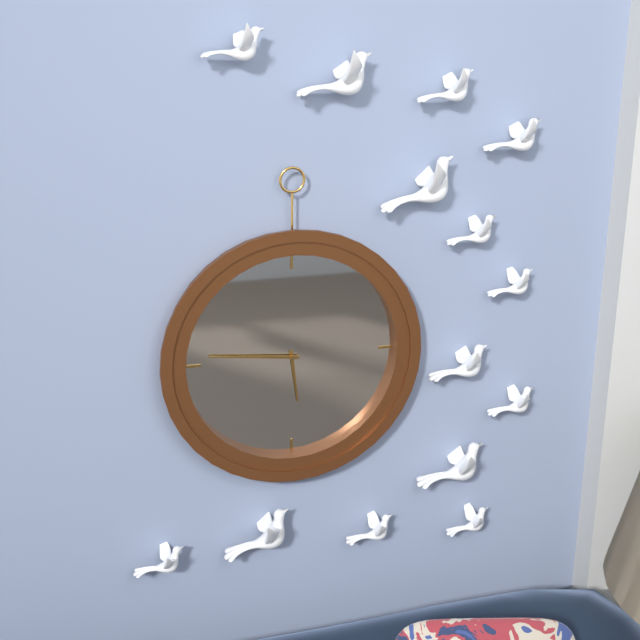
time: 5:46
